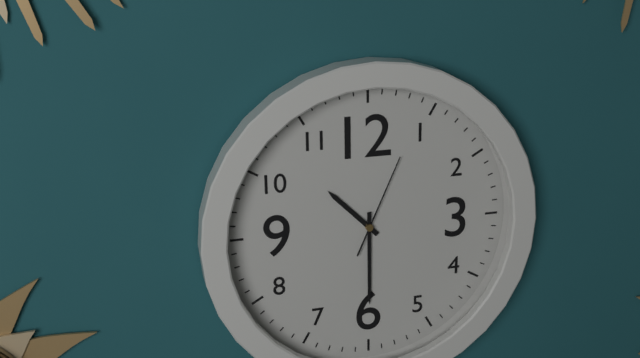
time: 10:30:04
